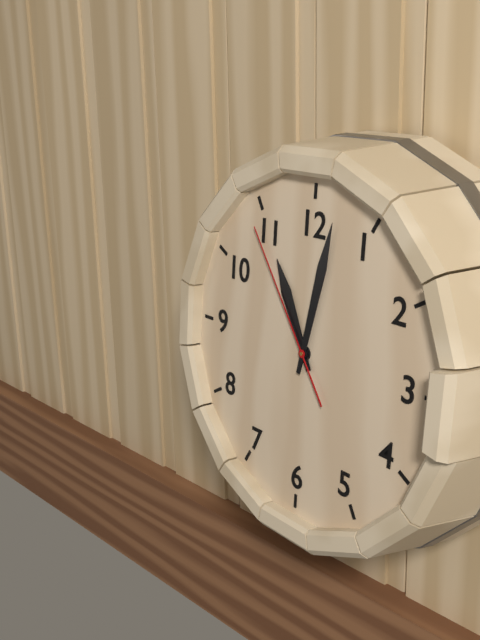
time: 11:02:54
